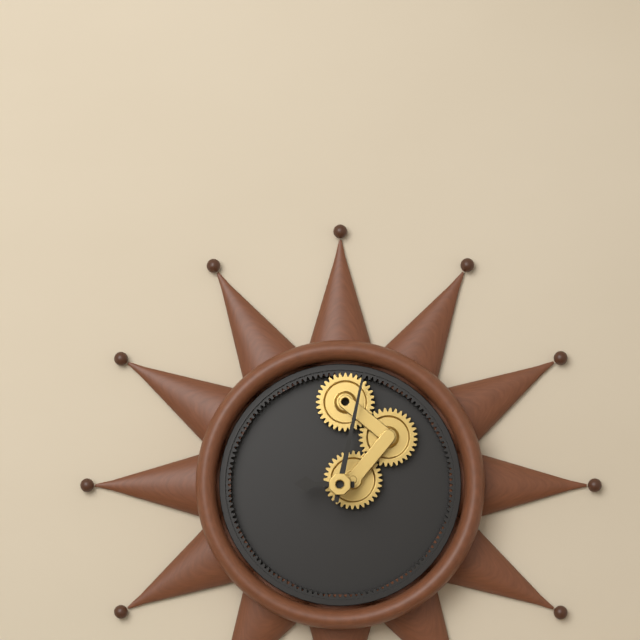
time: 9:02
